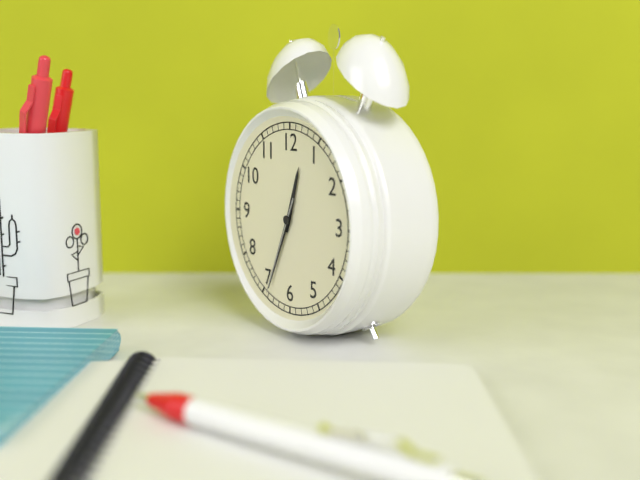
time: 12:34:34
